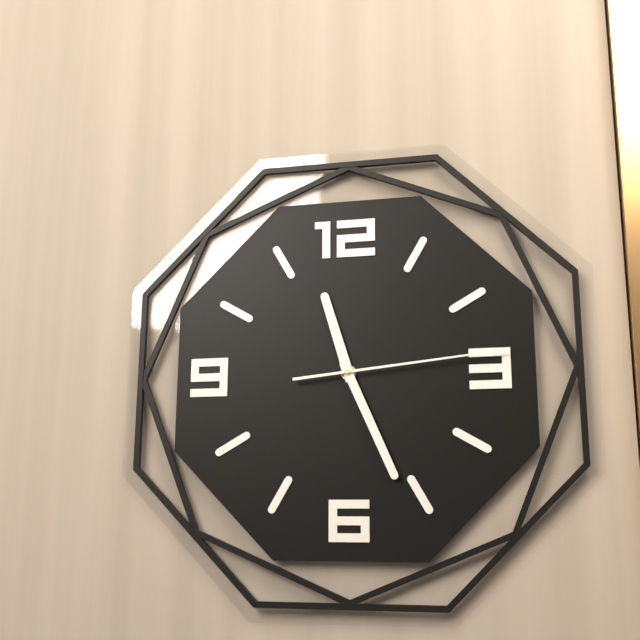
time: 11:26:14
